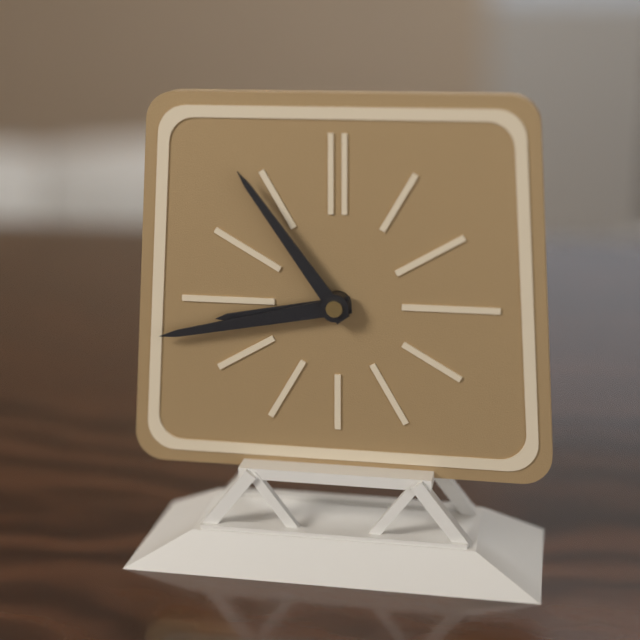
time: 8:43:54
